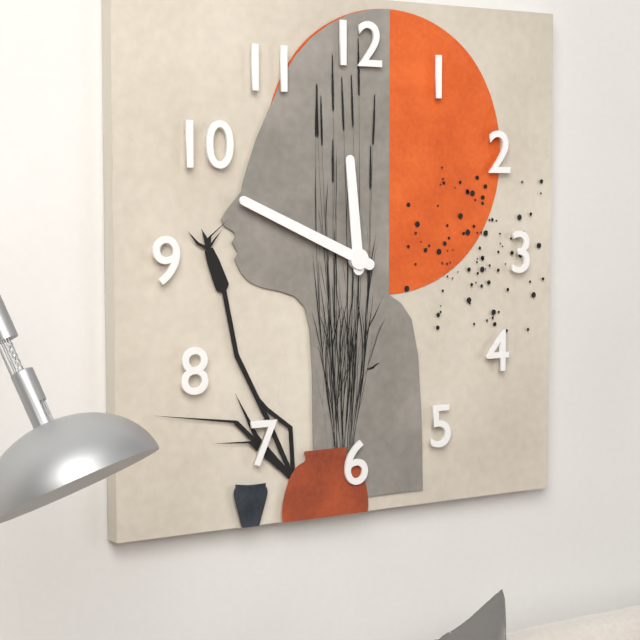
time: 11:49
